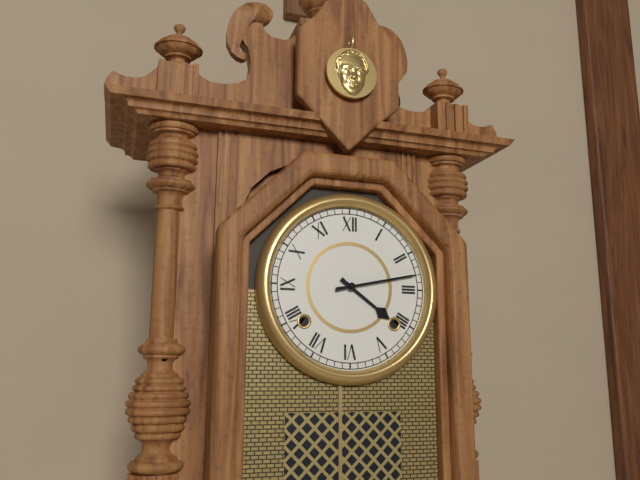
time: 4:13
